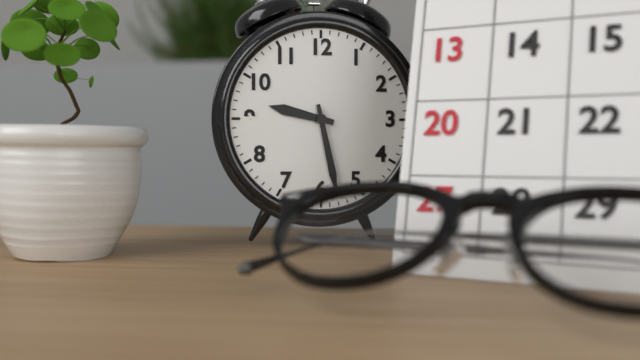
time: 9:28
